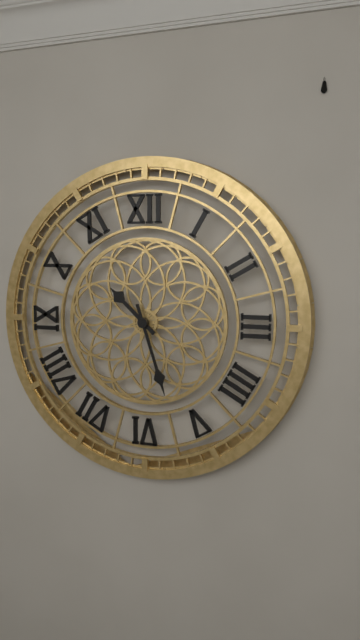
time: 10:27
